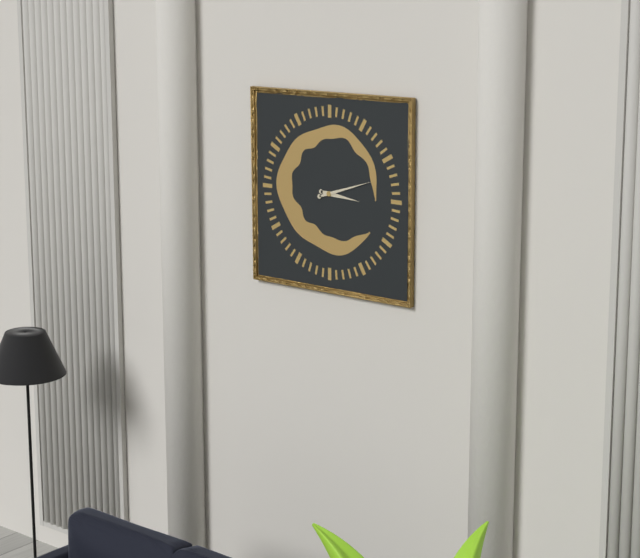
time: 3:12
